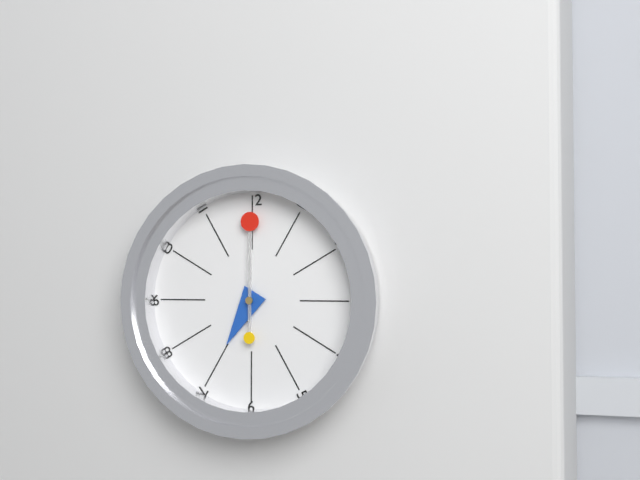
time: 7:00
